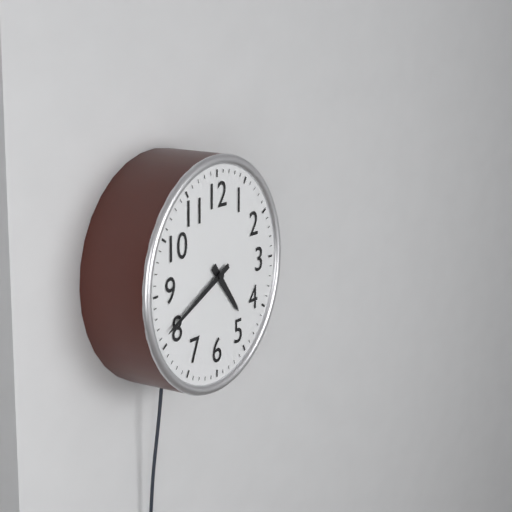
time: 4:41
